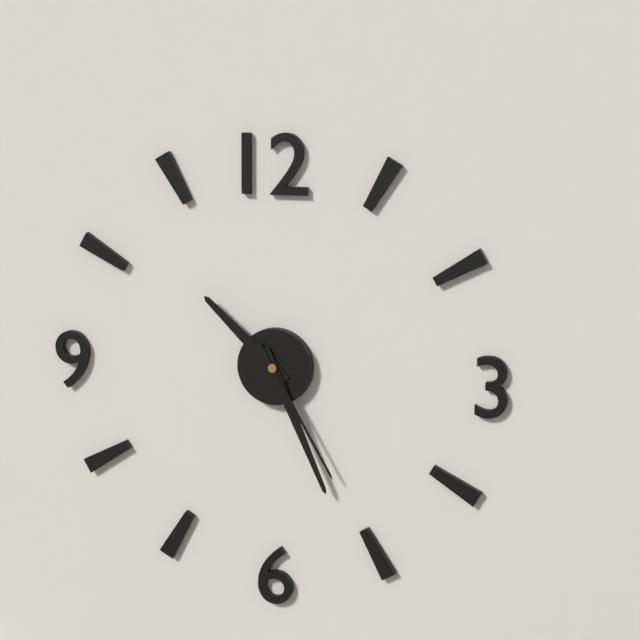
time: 10:26:25
